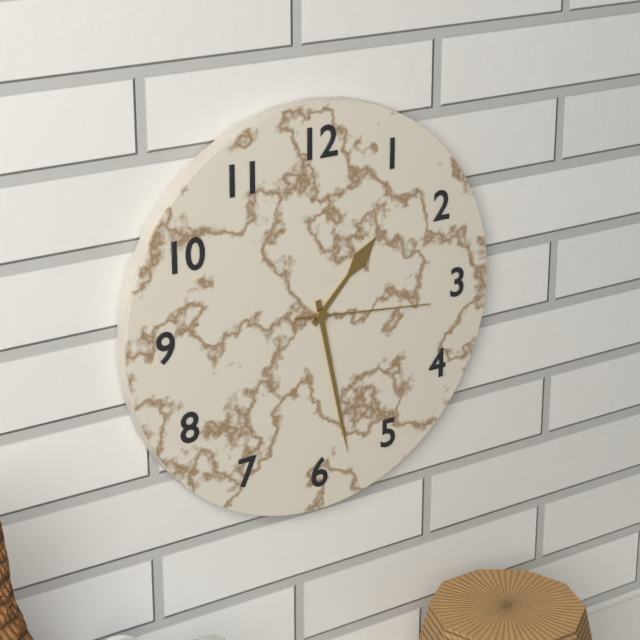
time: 1:28:16
